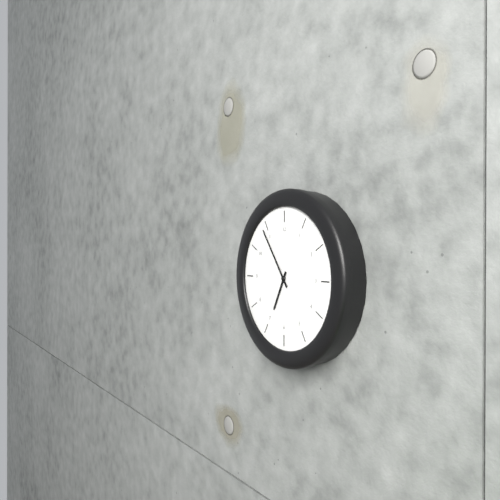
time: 6:54
